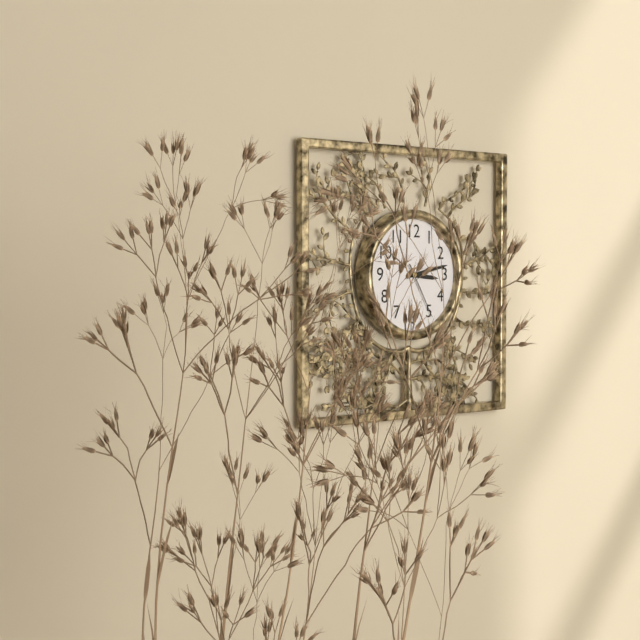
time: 3:13:25
